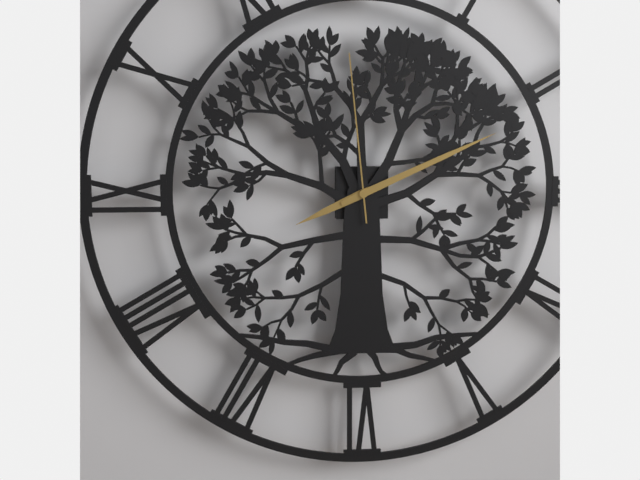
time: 8:11:59
